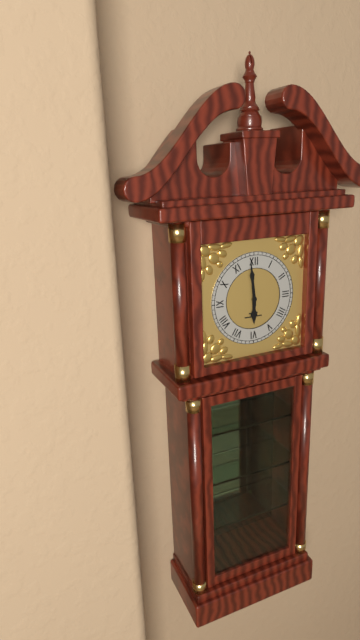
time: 5:59
